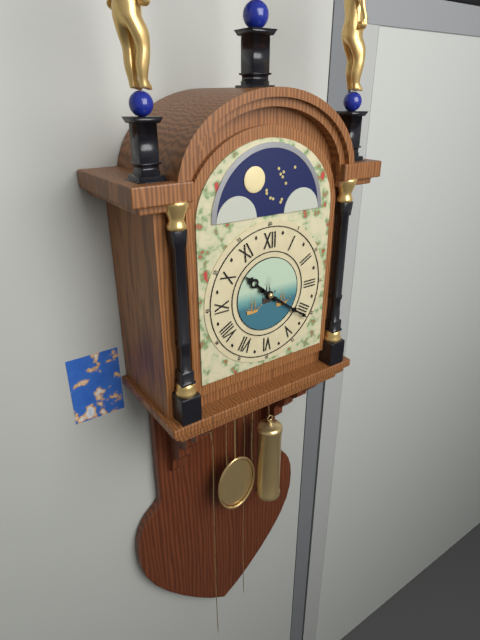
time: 10:21
